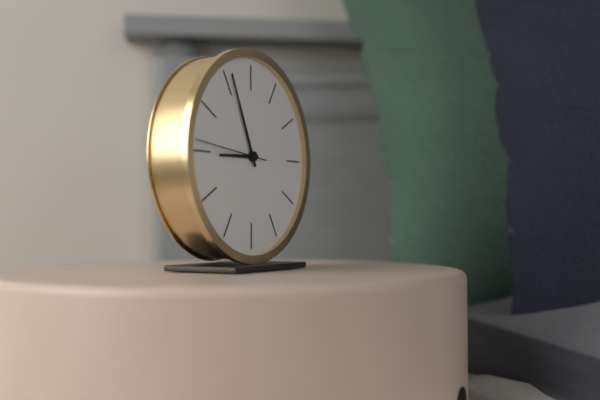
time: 8:56:46
